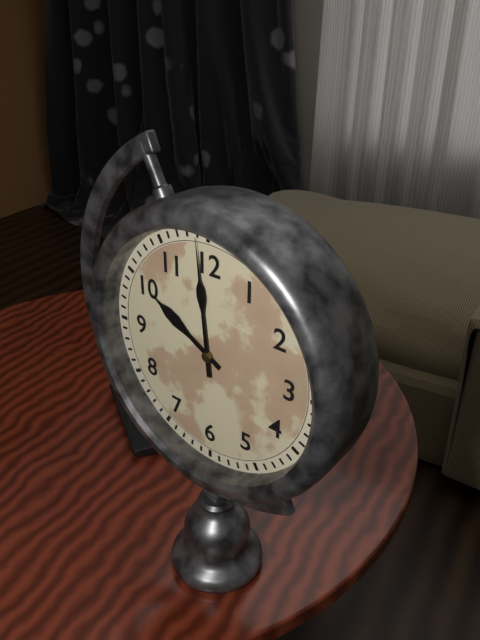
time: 9:59
